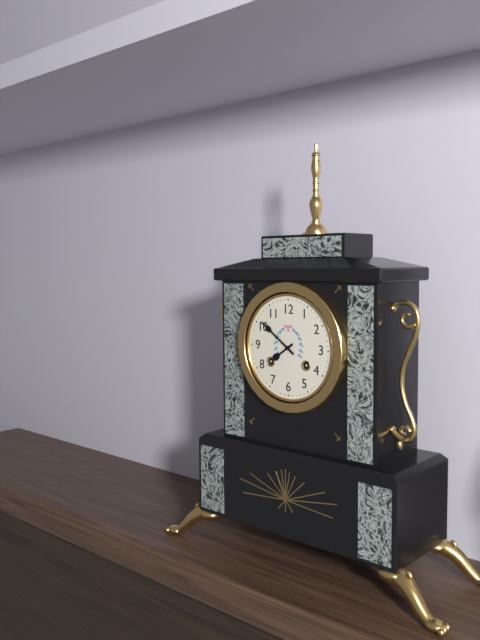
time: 7:51
